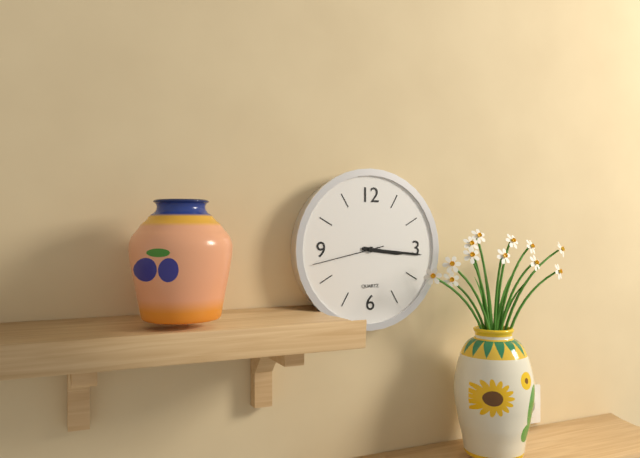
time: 3:16:43
